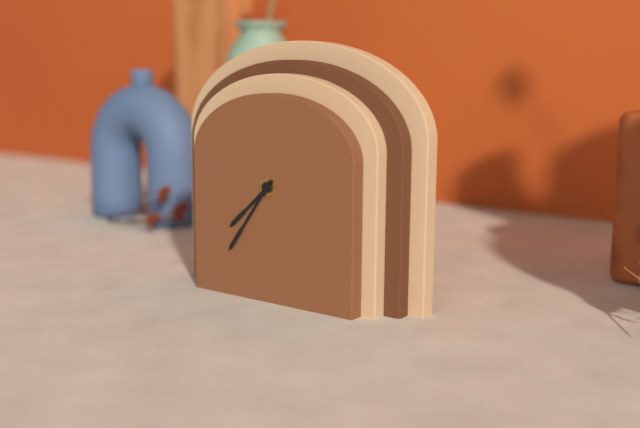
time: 7:36
